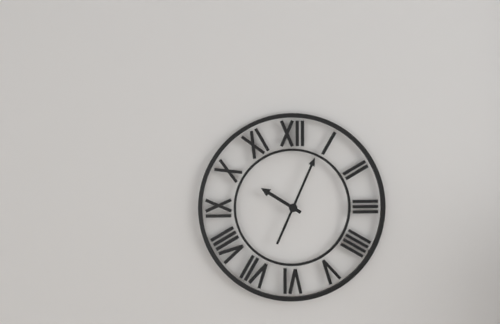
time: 10:04
